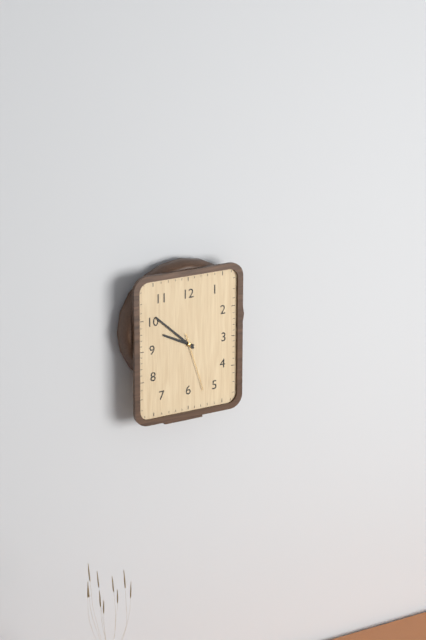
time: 9:52:27
